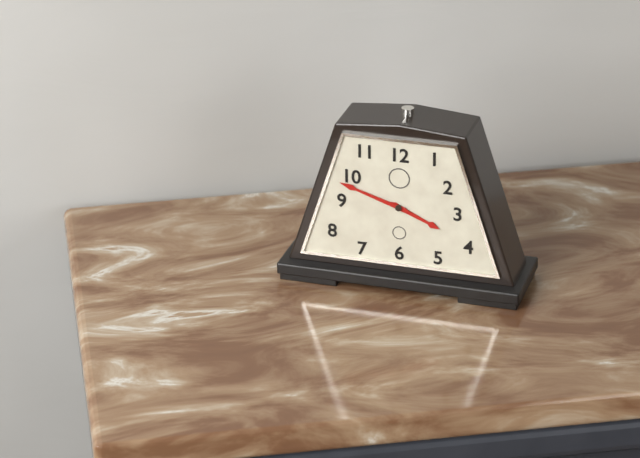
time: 3:48
